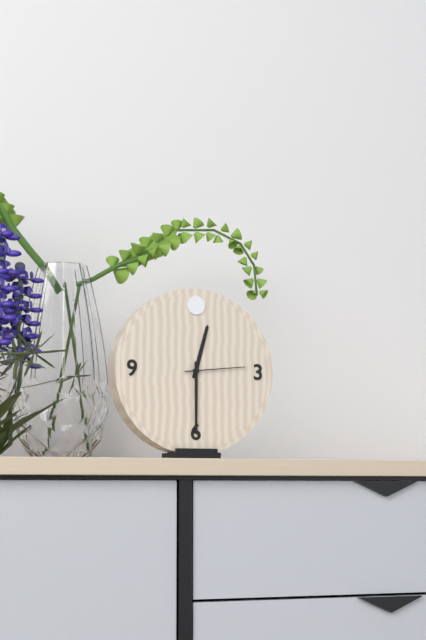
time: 12:30:14
